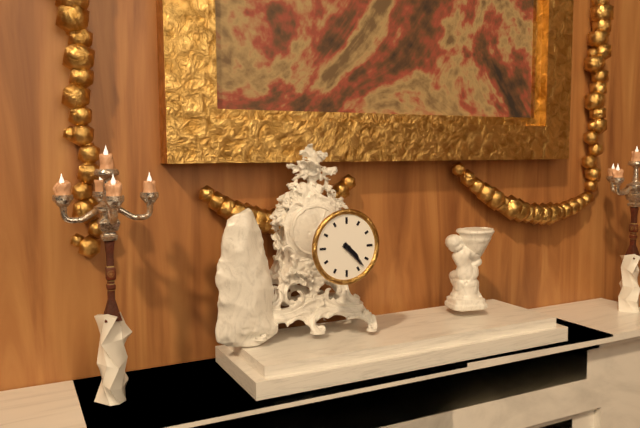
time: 4:23
